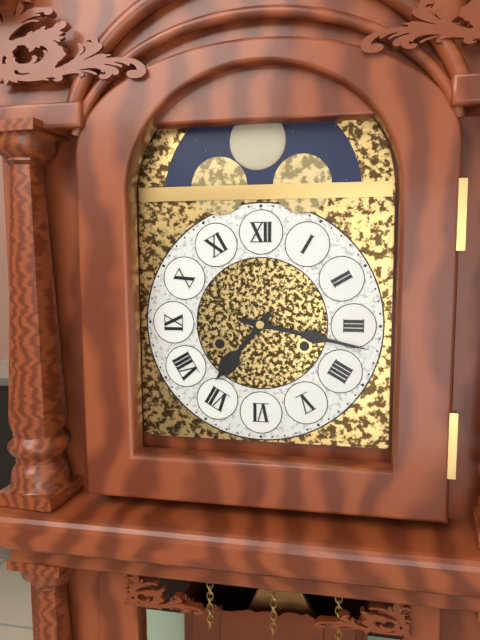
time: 7:17
